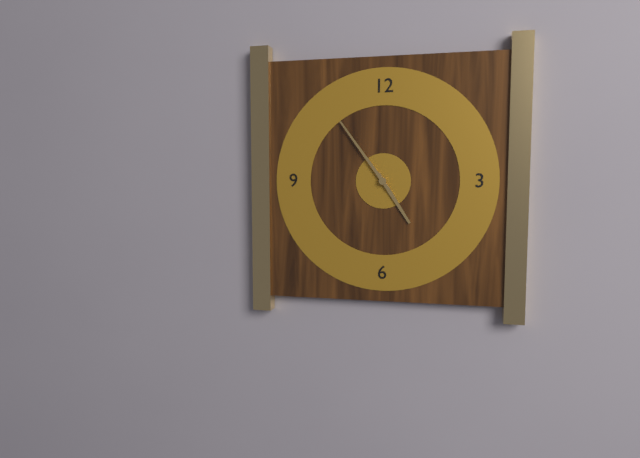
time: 4:54
